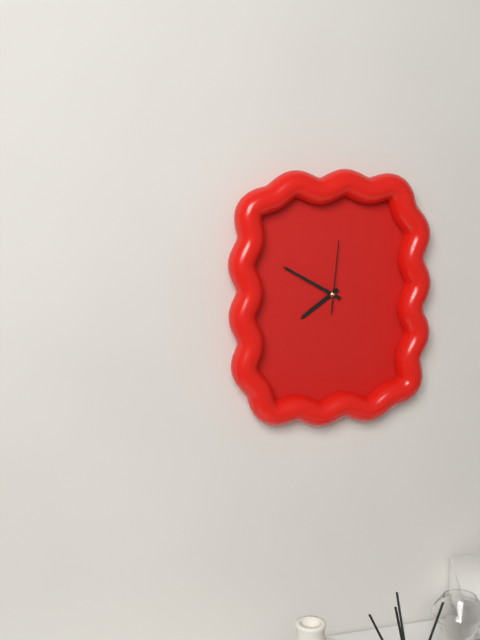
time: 7:50:01
